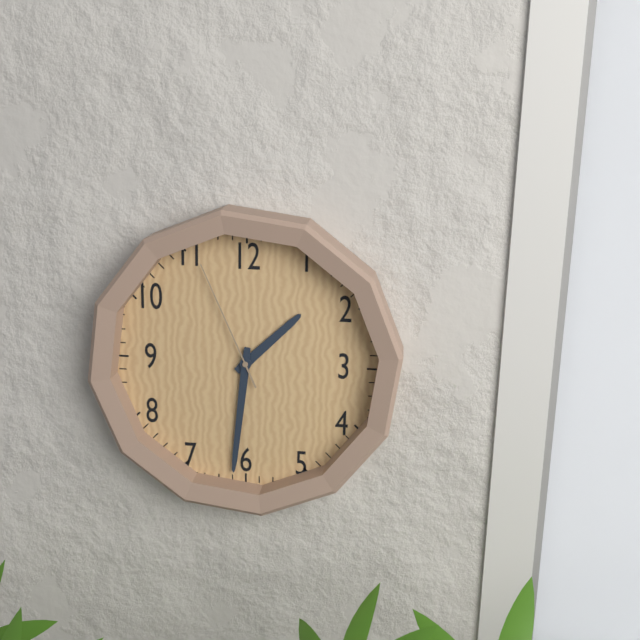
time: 1:31:56
